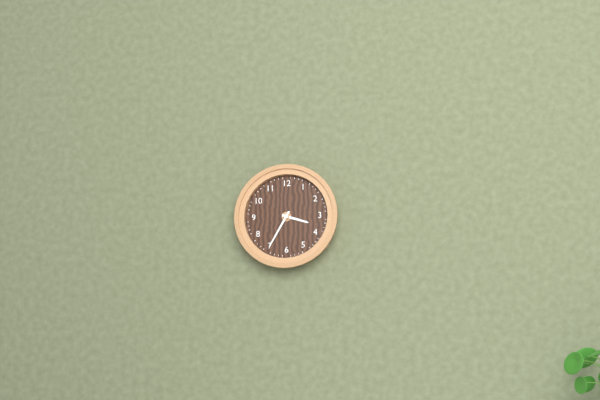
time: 3:35
